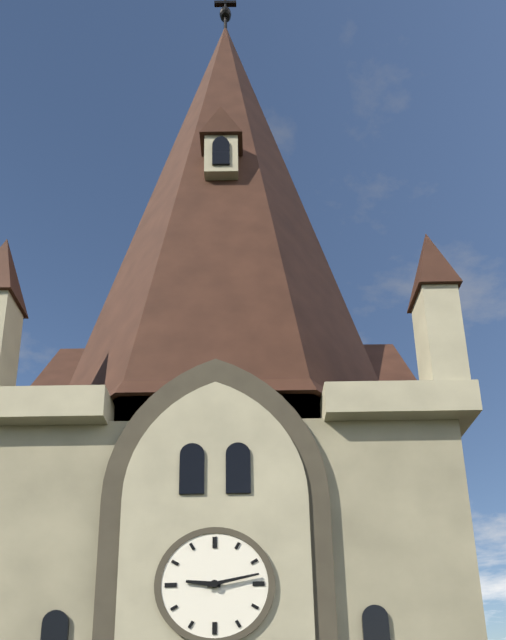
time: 9:13
